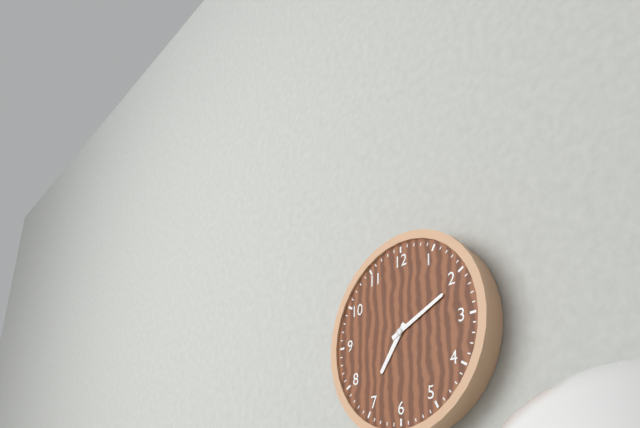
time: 7:11
